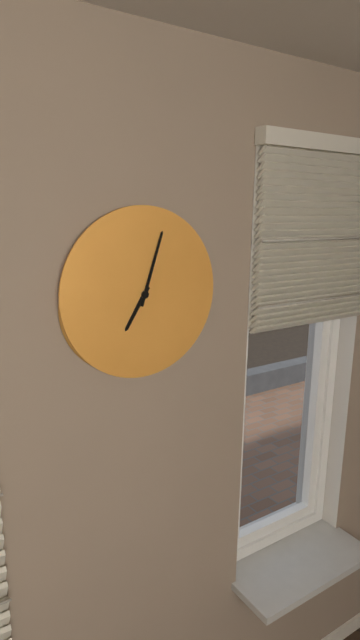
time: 7:03
